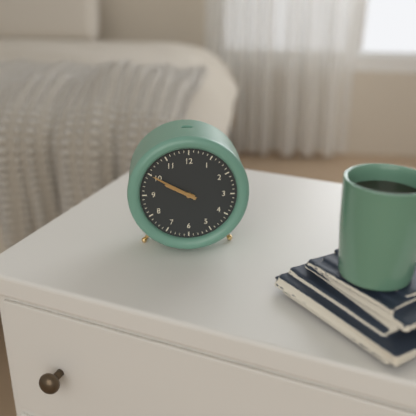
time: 9:50
